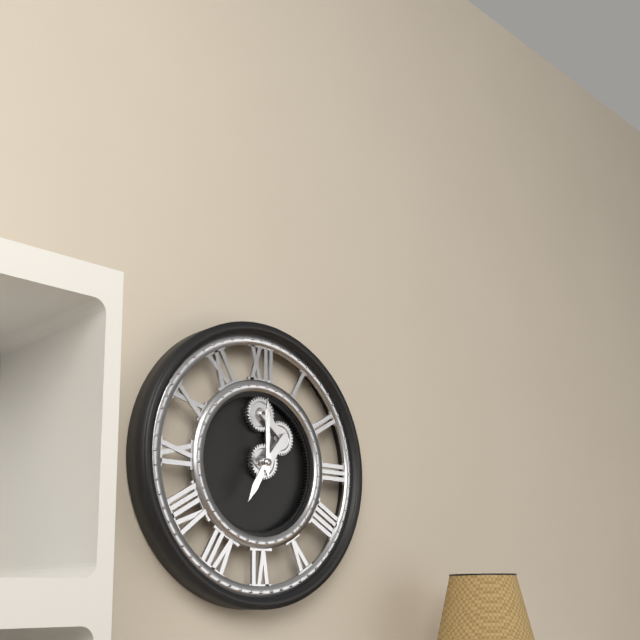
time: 7:00
